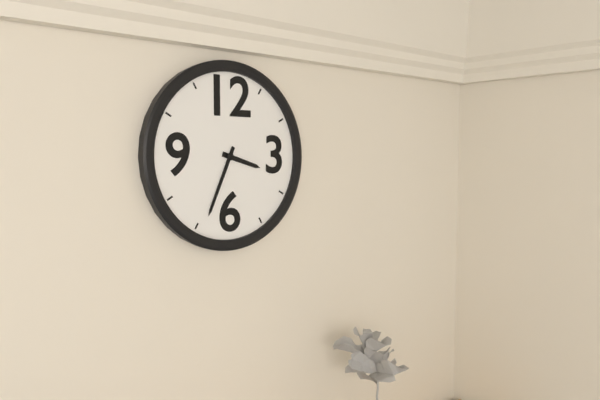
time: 3:34
